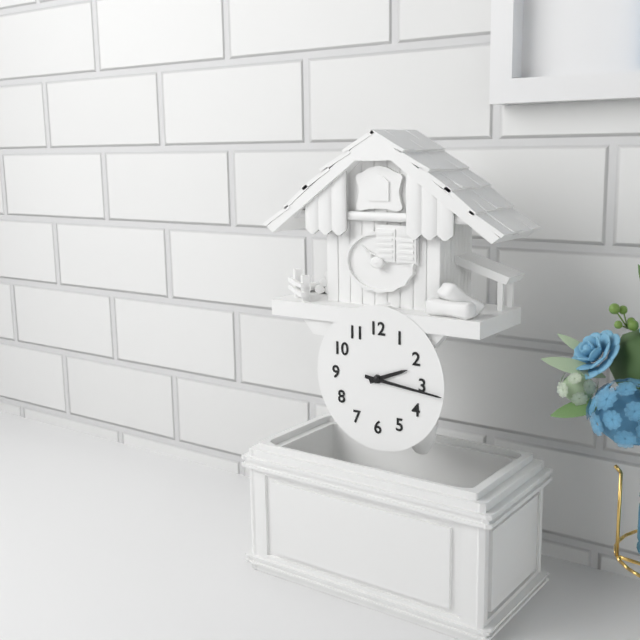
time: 2:16
